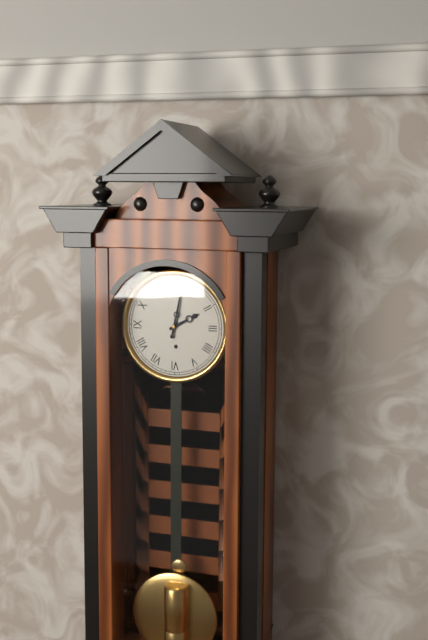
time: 2:02
